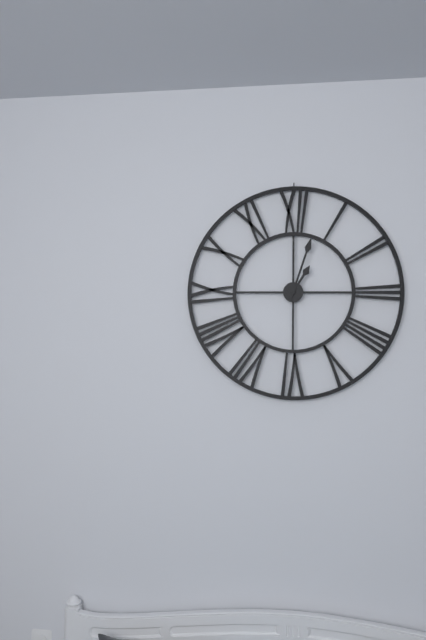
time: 1:03
